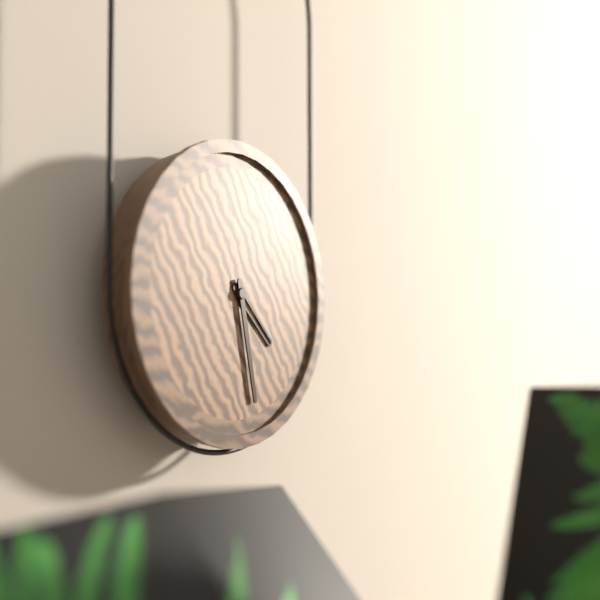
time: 4:28
